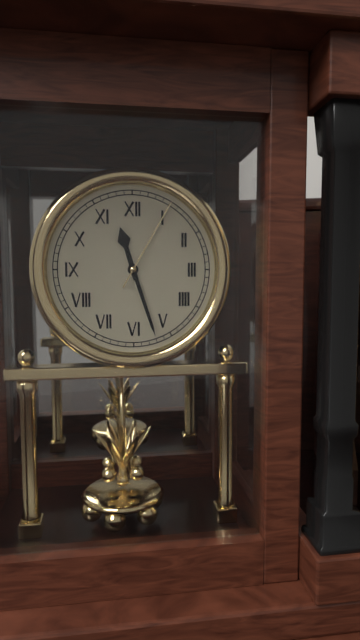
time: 11:27:05
